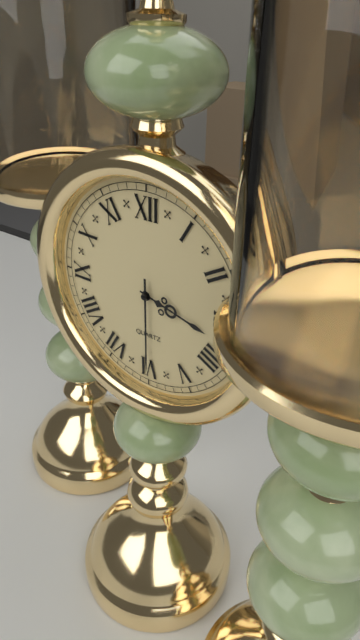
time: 3:30
